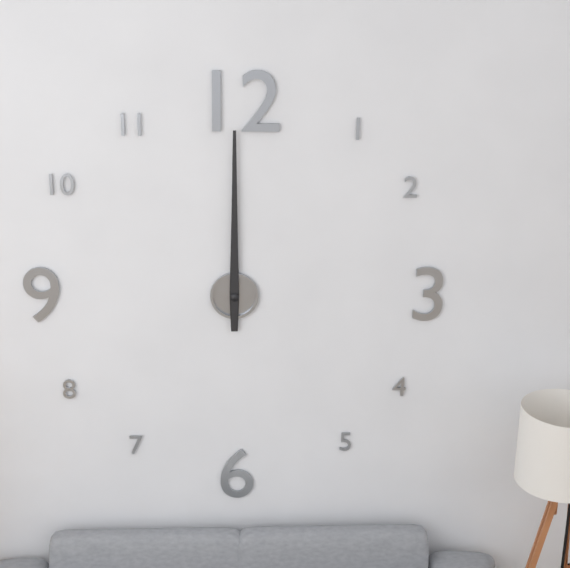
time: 12:00
